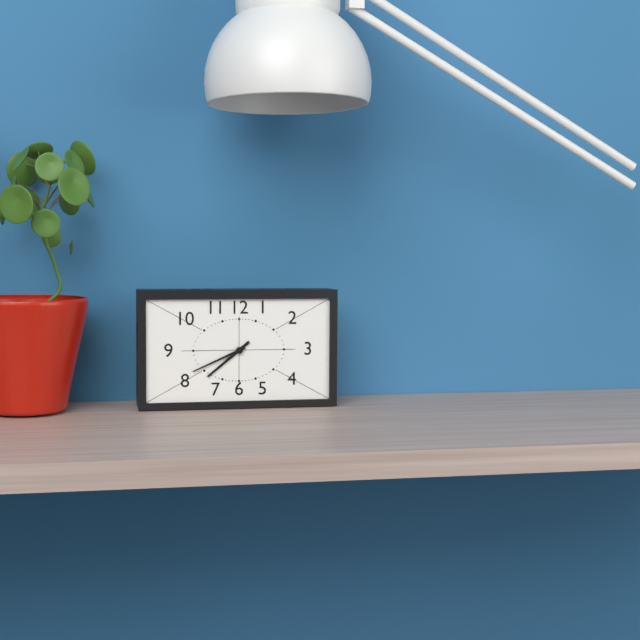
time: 7:41
